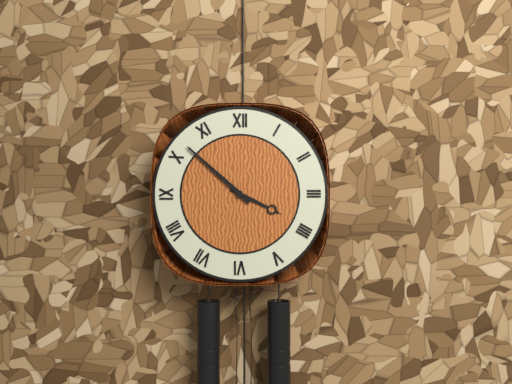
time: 3:52
